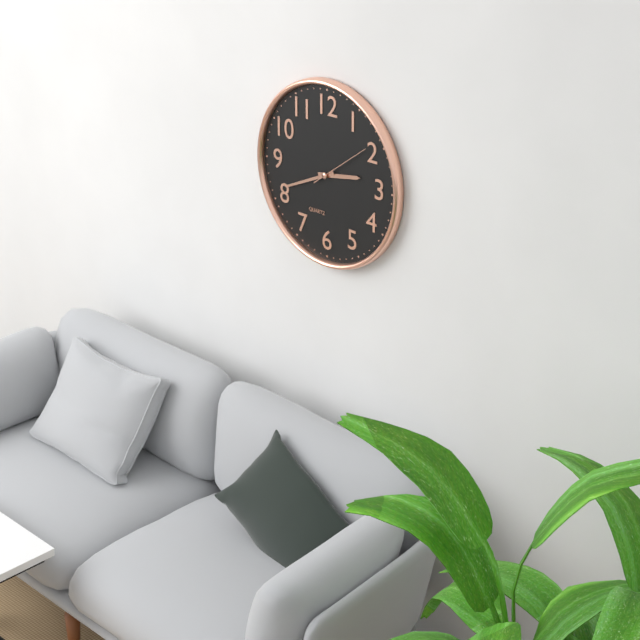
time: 2:41:09
